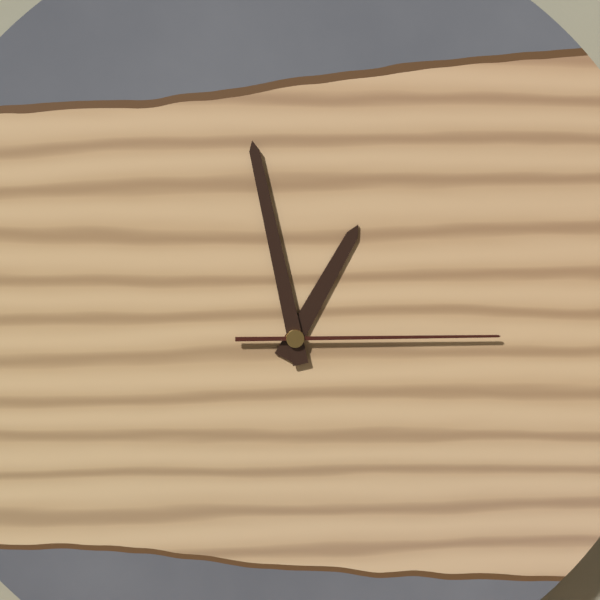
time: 12:58:15
